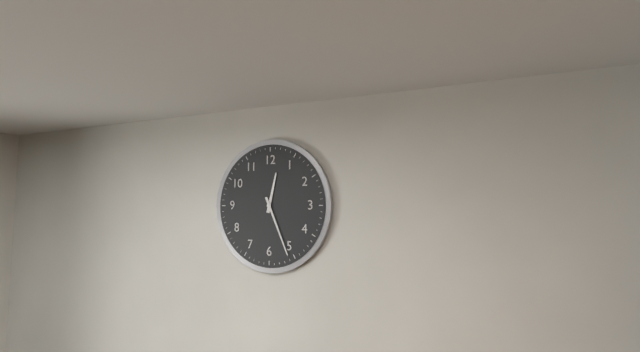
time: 12:26
